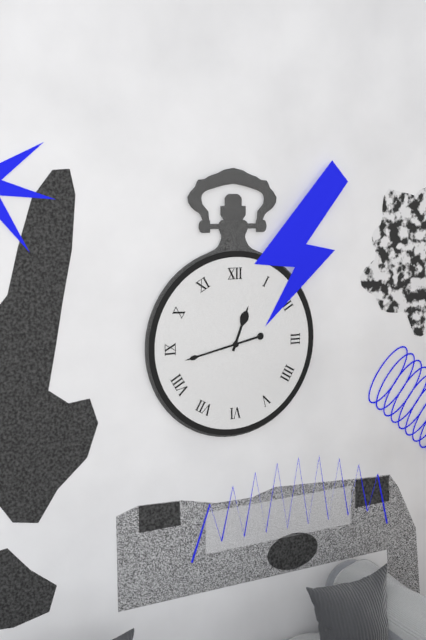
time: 12:43
